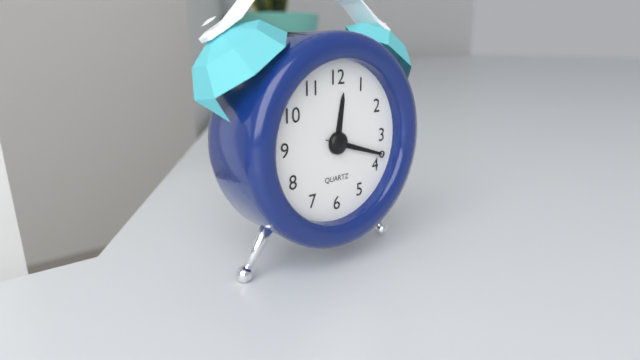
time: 12:18:18
